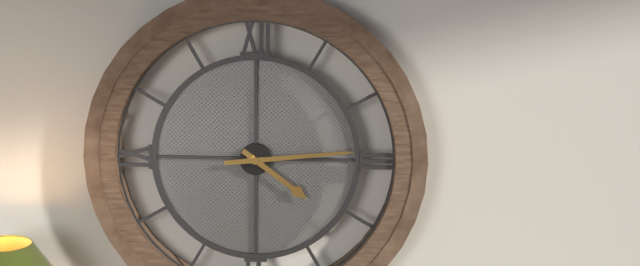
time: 4:14
